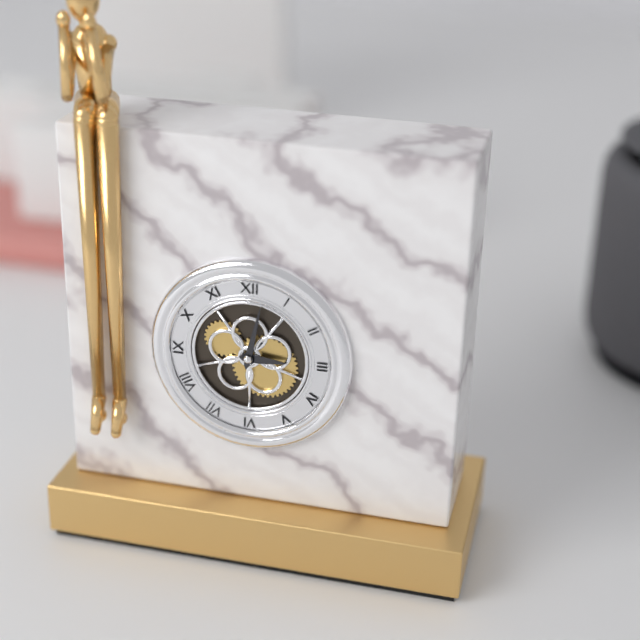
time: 3:02
